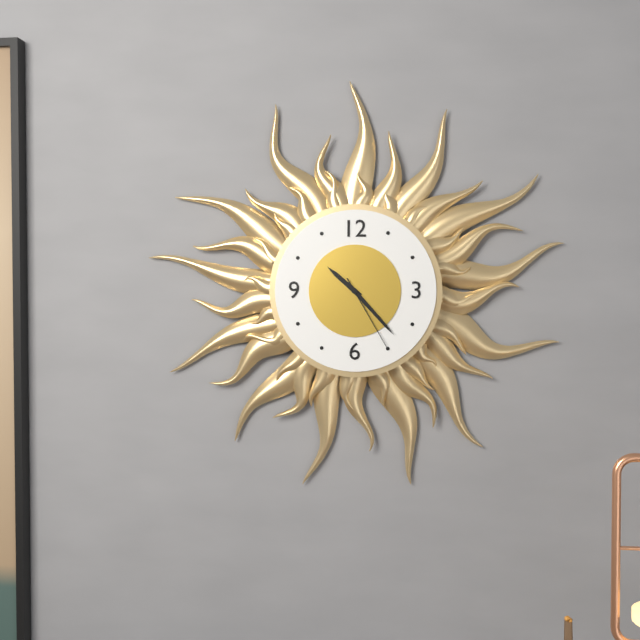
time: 10:23:25
